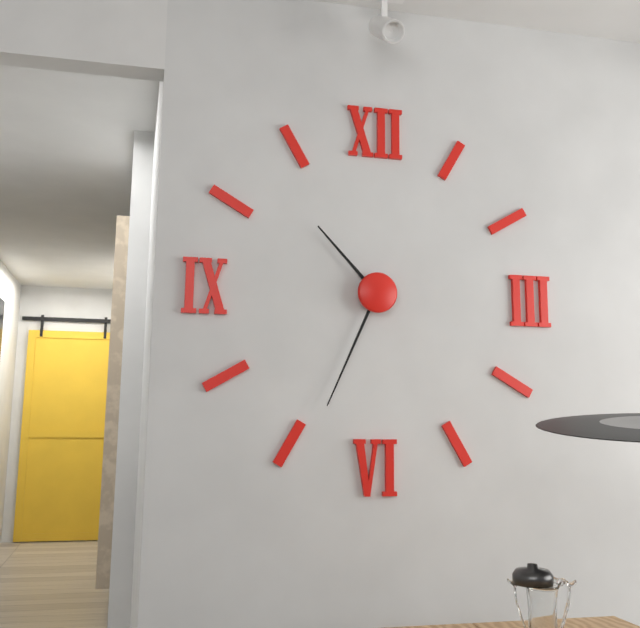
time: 10:34
